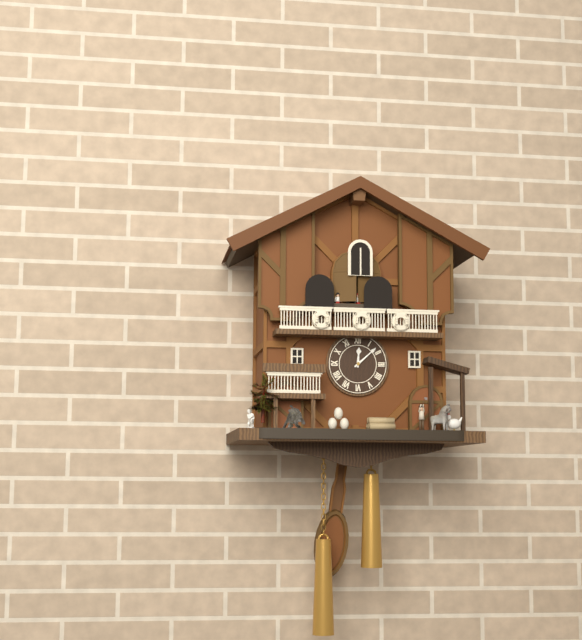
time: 12:08
